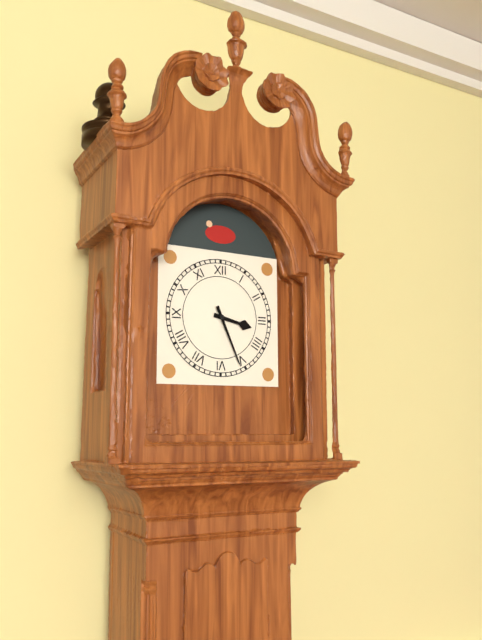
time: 3:26
